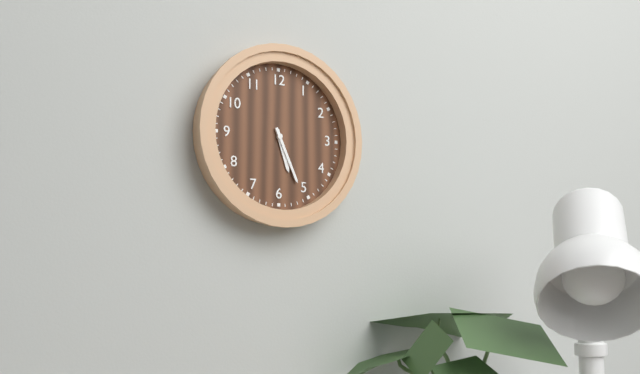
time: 5:26
